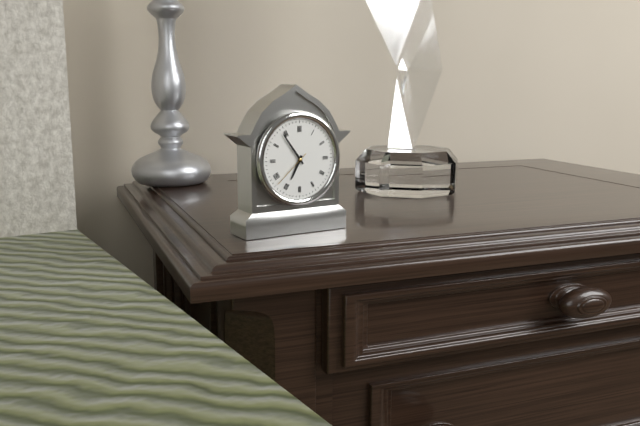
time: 6:54
